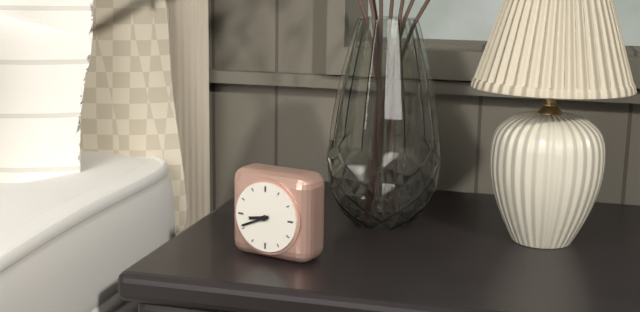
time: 8:41
